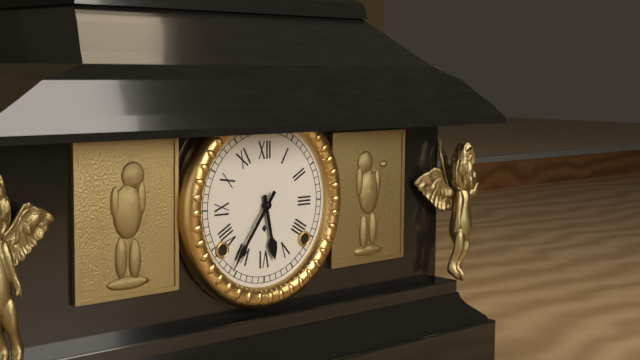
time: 5:36
